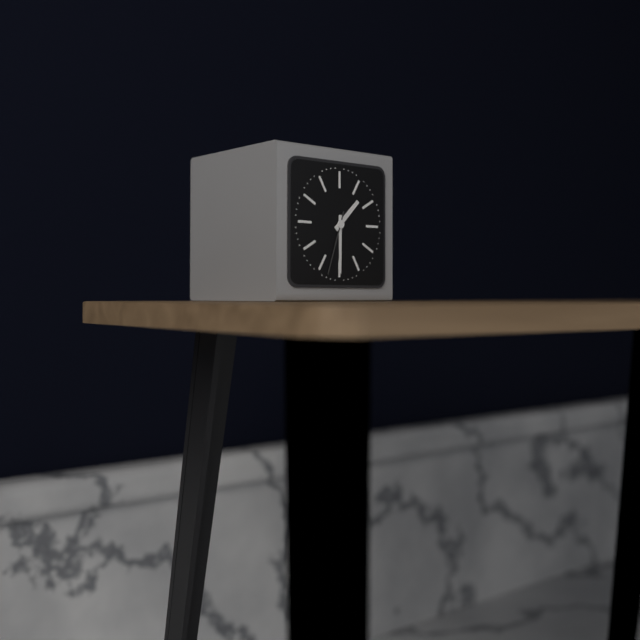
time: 1:30:33
